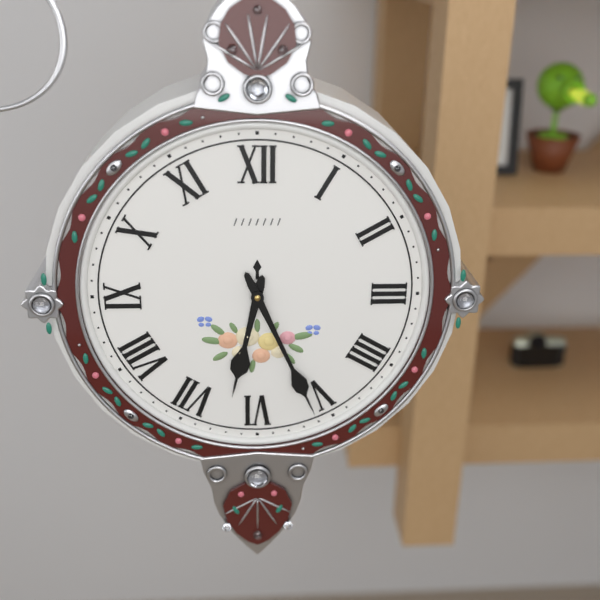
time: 6:26
